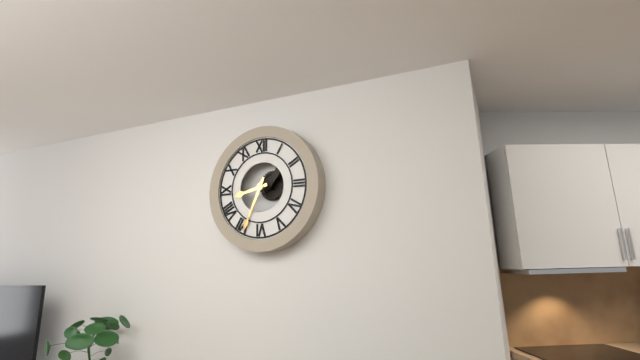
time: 8:34
